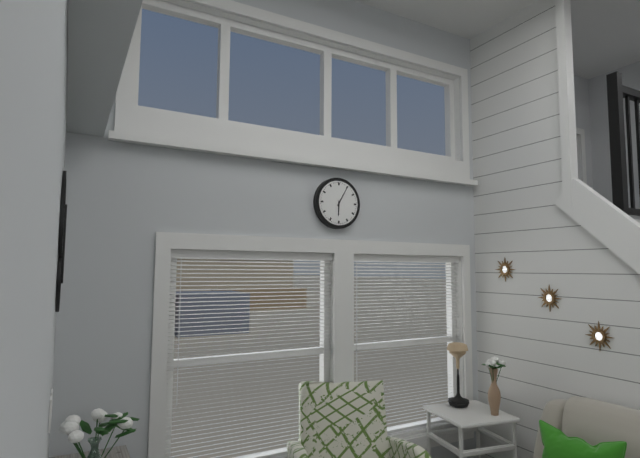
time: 6:05
